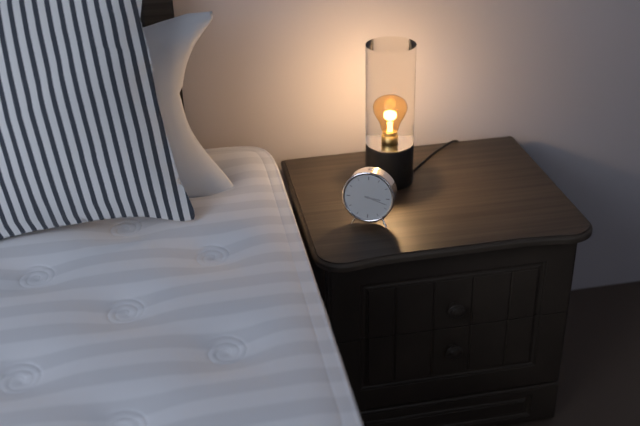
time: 3:18
